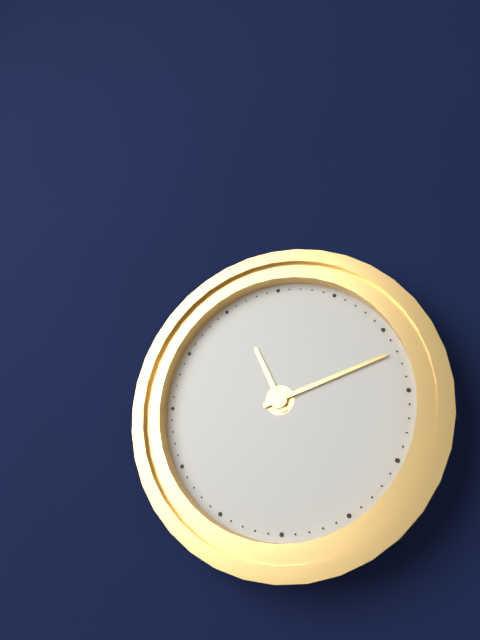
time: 11:12
